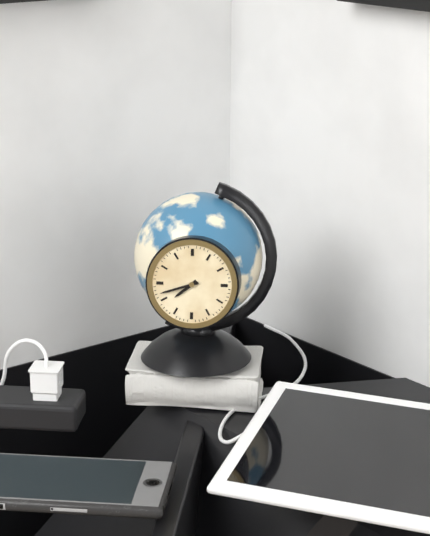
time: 7:42
